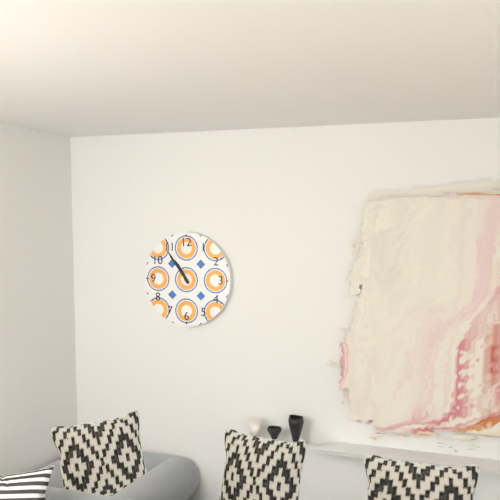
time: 10:54
